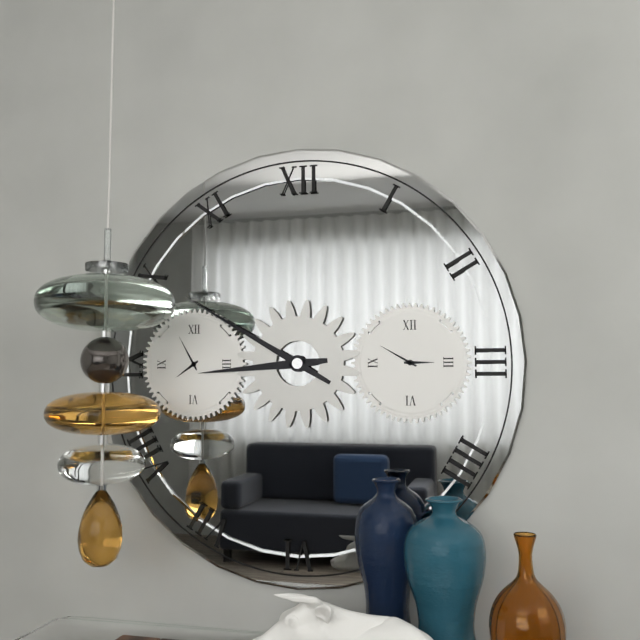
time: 8:50
